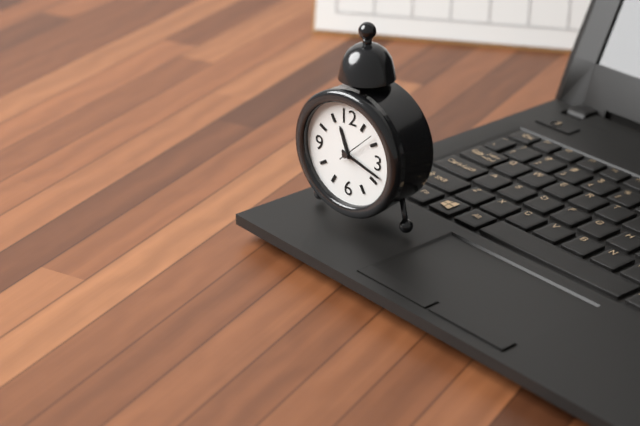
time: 11:18
